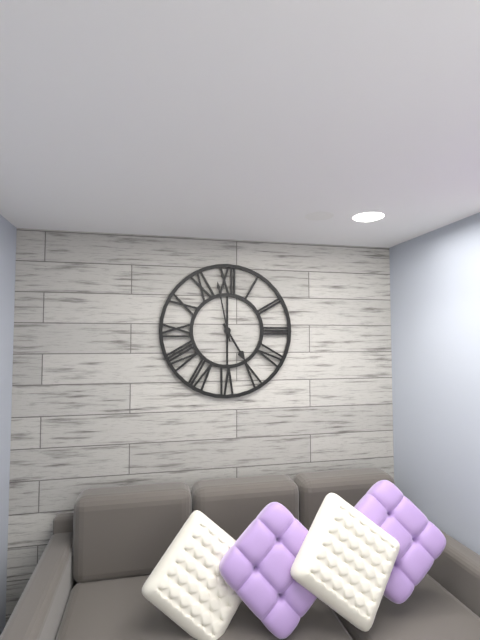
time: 4:58
